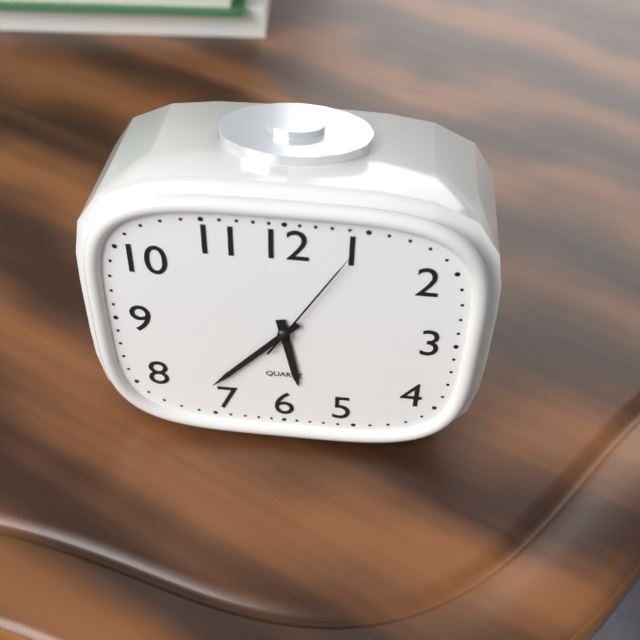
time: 5:37:05
